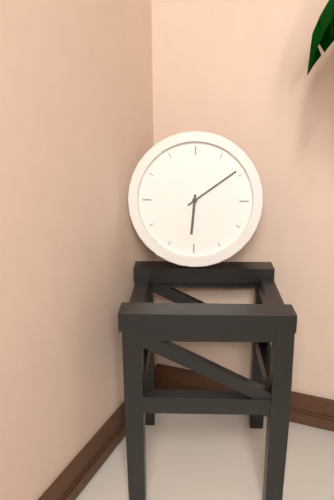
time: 6:09
